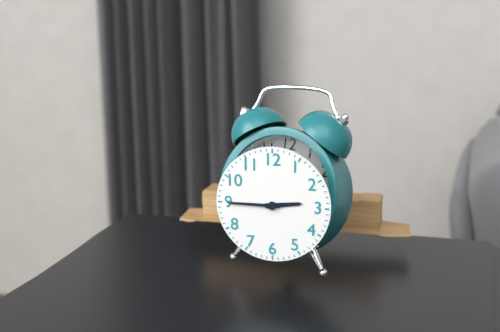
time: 2:45
